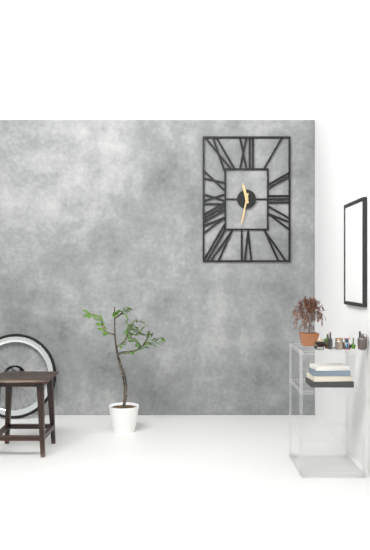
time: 11:32
